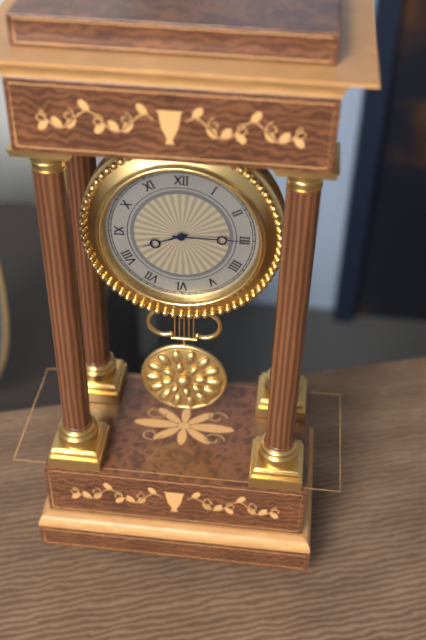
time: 8:15
